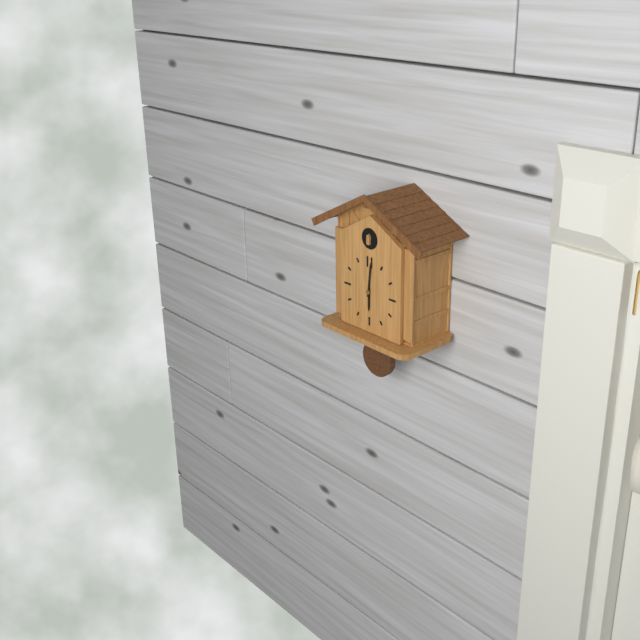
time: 6:01
